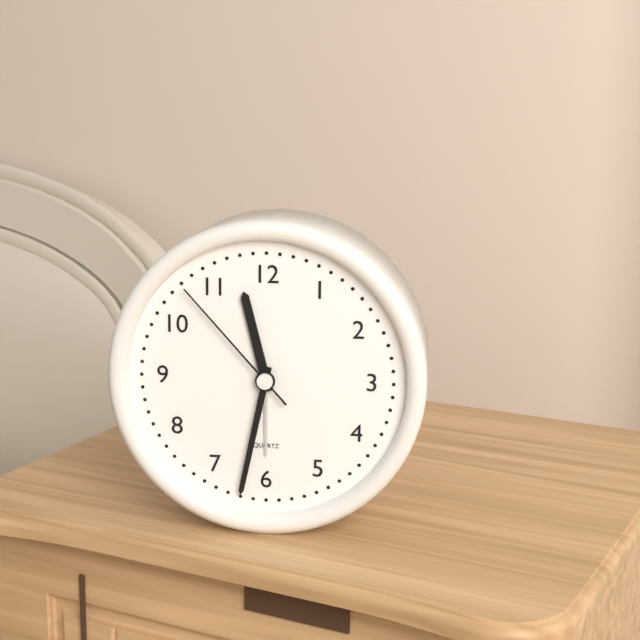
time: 11:32:53
